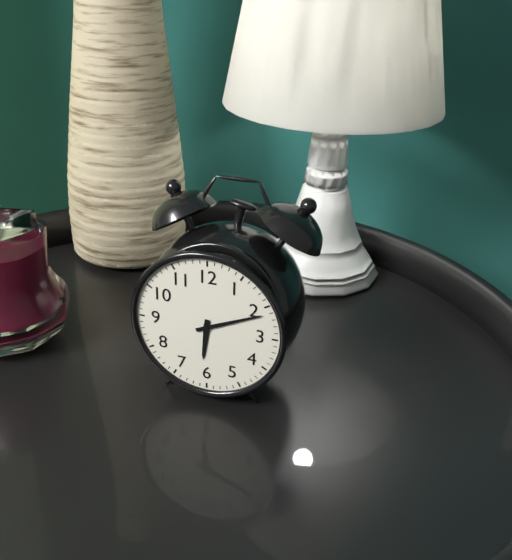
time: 6:11
